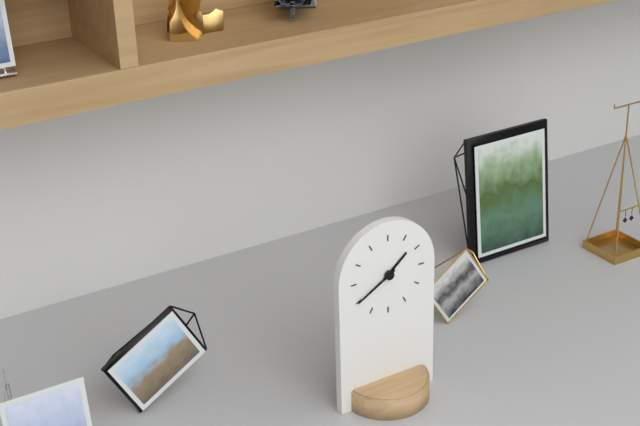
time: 1:40
